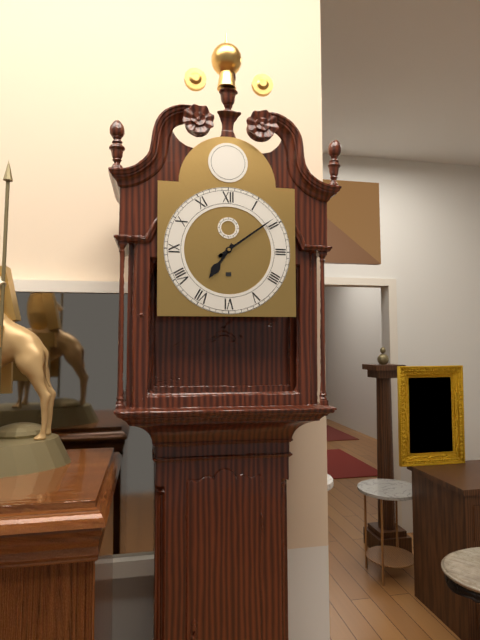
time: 7:09
